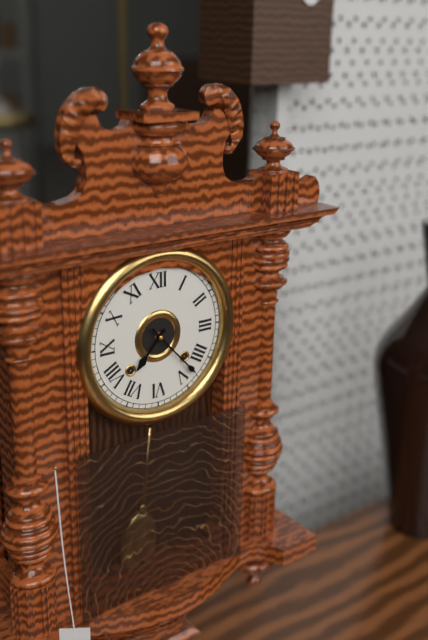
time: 7:23
